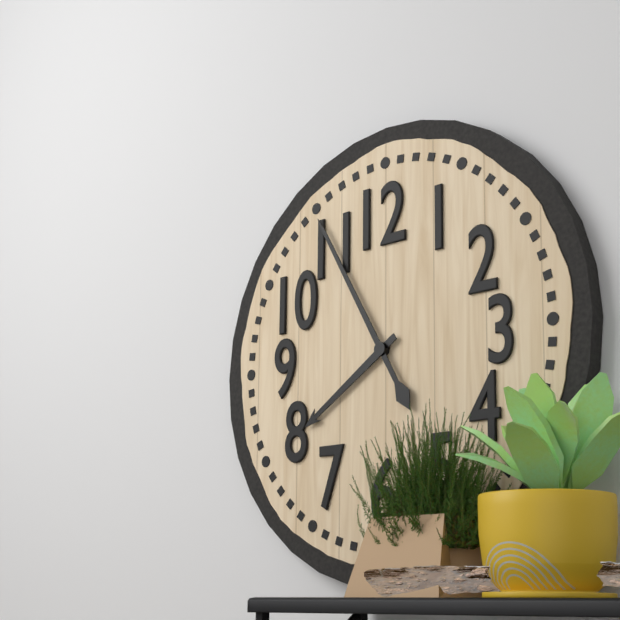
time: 7:55
